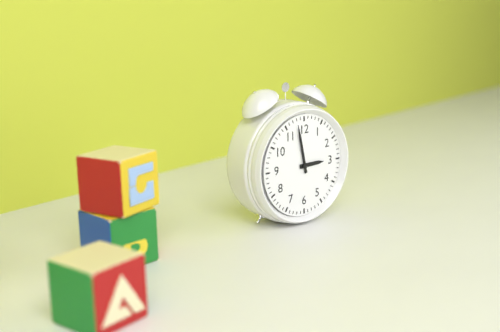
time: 2:58
